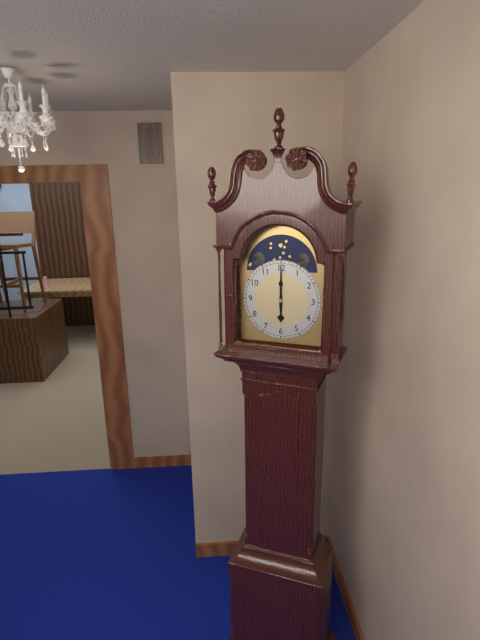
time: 6:00
